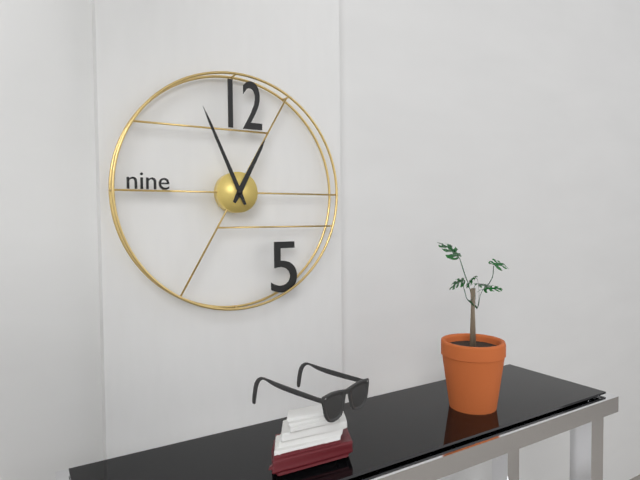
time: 12:56
